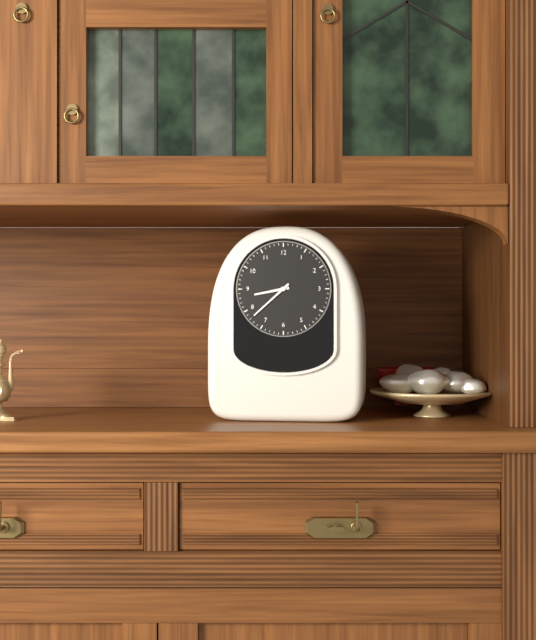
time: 8:38
